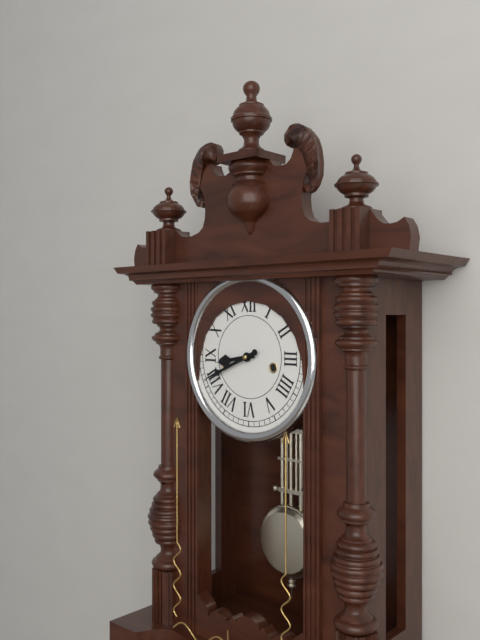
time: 8:41
